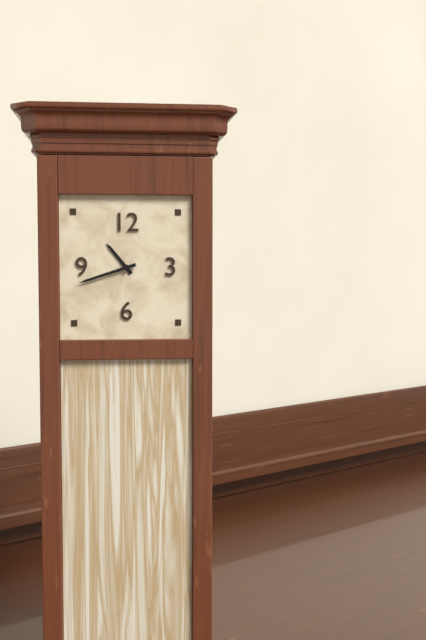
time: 10:42
